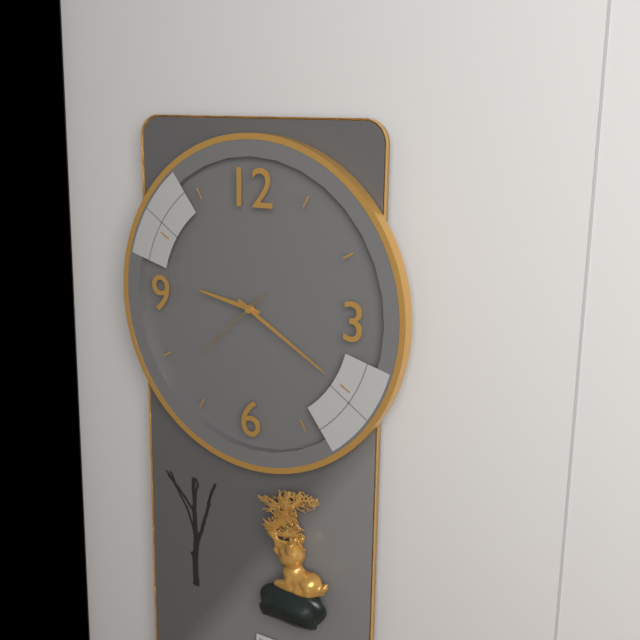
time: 9:20:38
